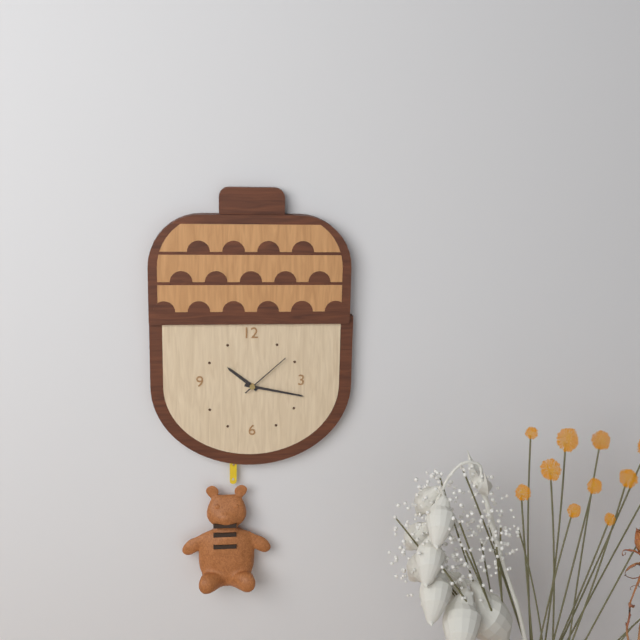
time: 10:17:08
